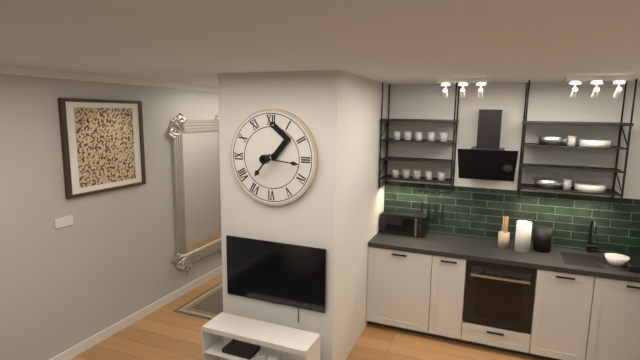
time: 7:16
